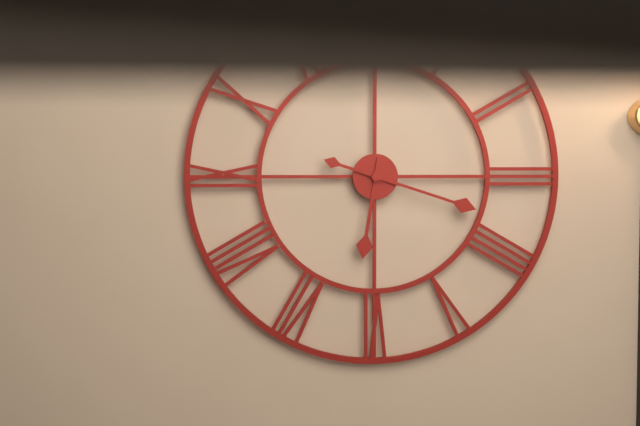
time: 6:18
